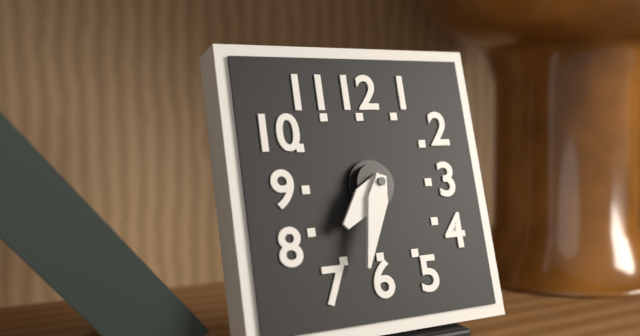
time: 7:33
